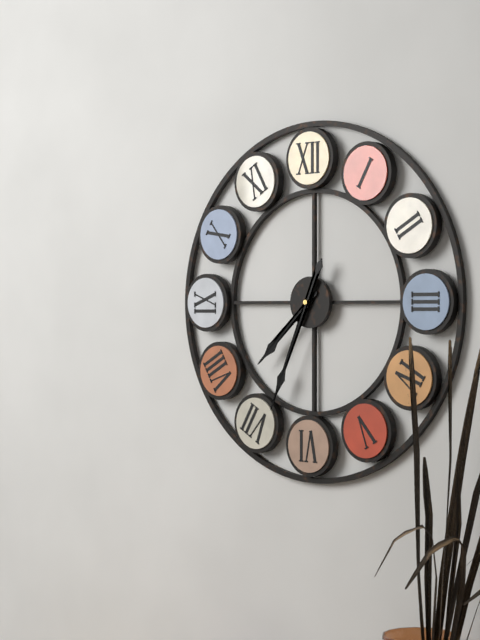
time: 7:34
